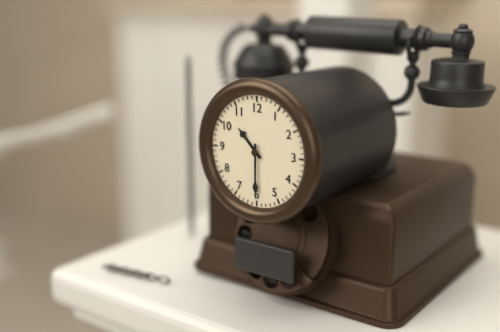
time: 10:30
